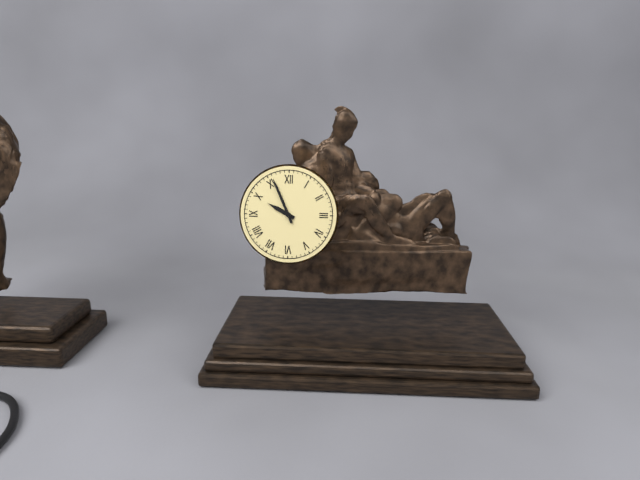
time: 9:56
